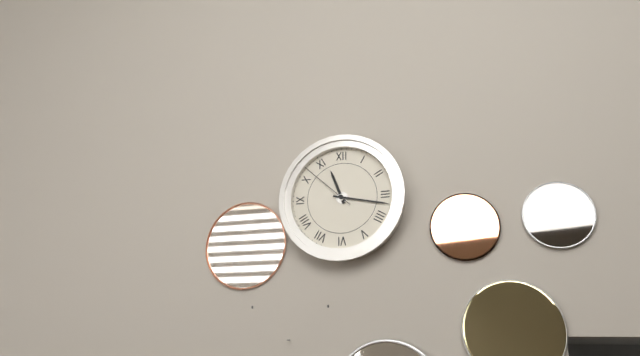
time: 11:17:52
